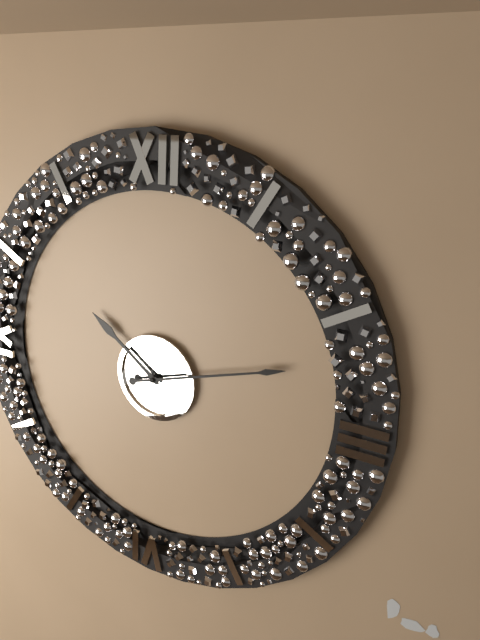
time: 10:12
